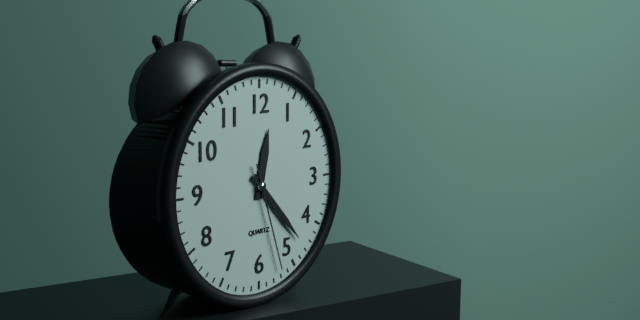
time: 12:23:27
